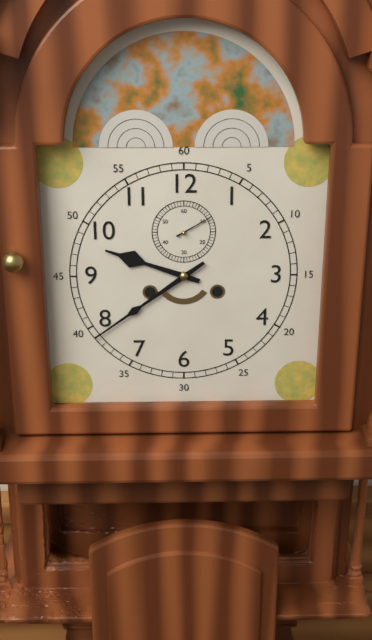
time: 9:39
